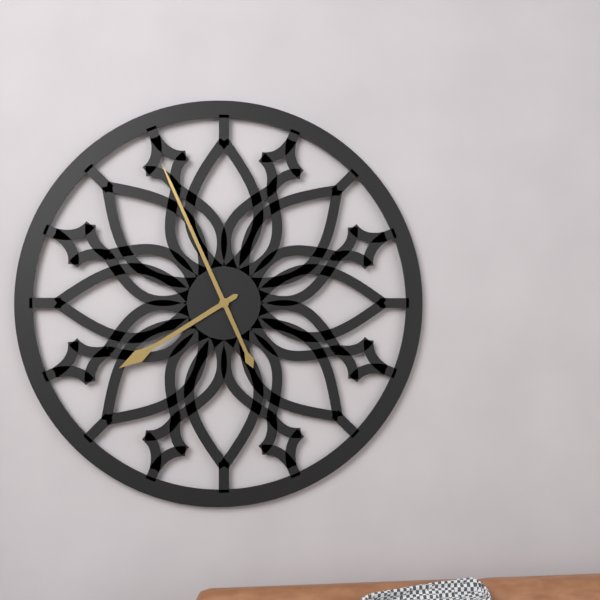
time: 7:56
